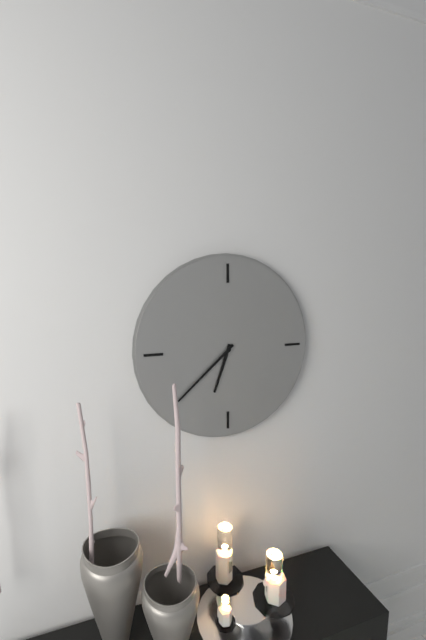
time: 6:38
